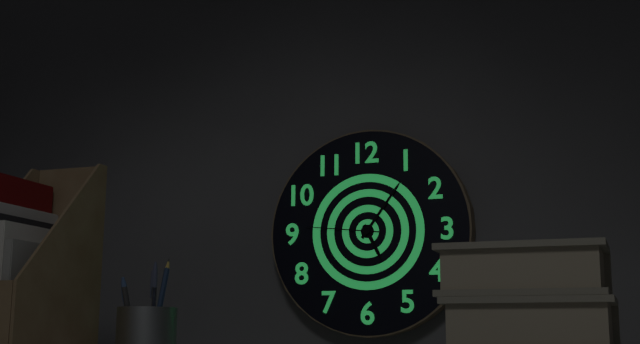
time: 5:06:46
